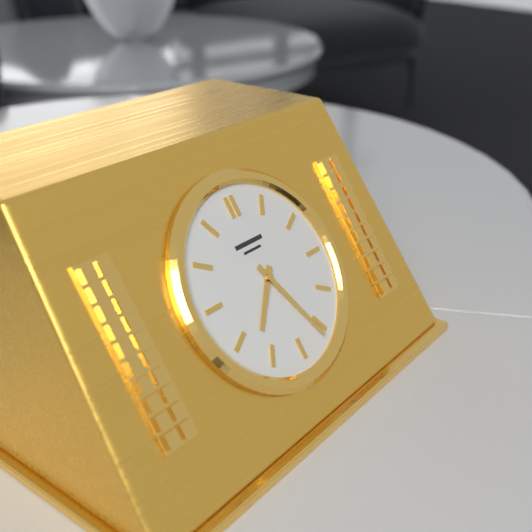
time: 7:26
